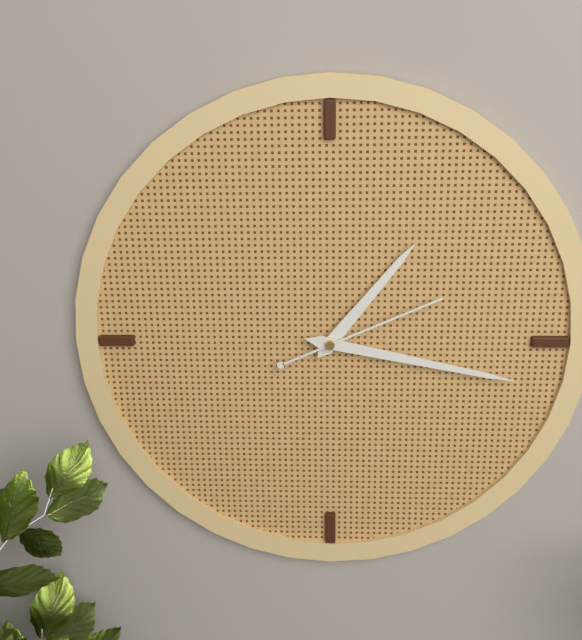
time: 1:17:11
